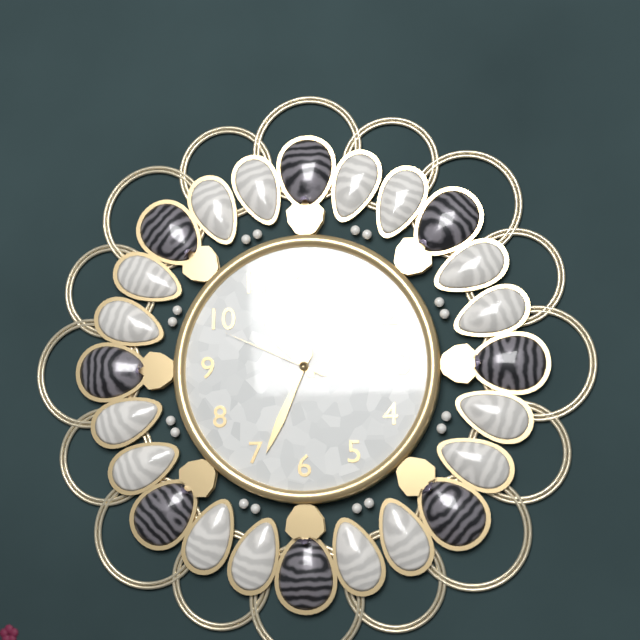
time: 10:34:49
